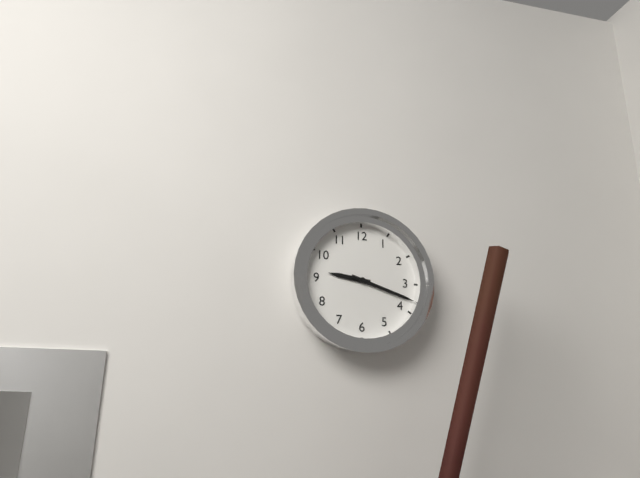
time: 9:18
